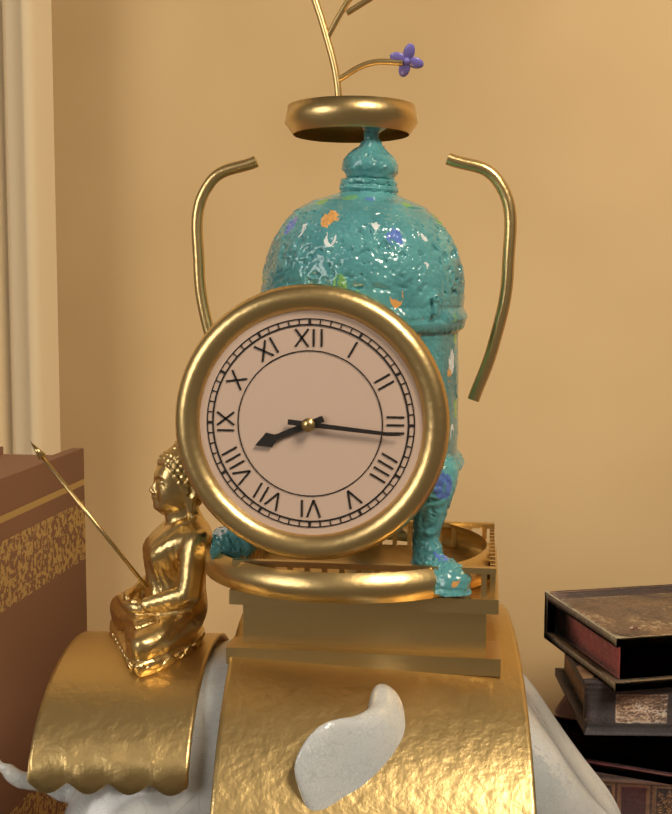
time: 8:16
